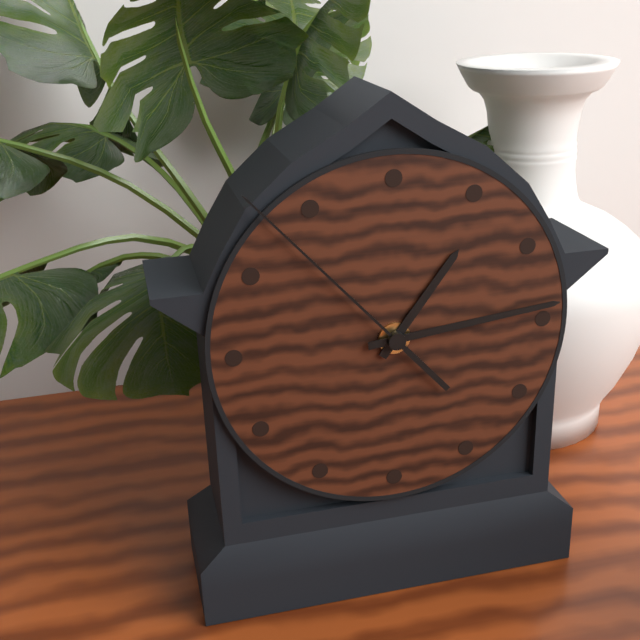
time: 1:14:53
